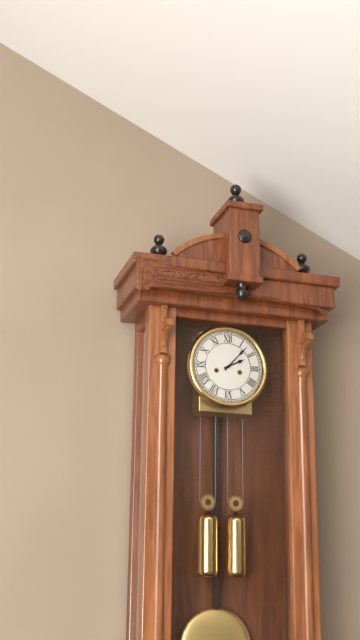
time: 2:07
